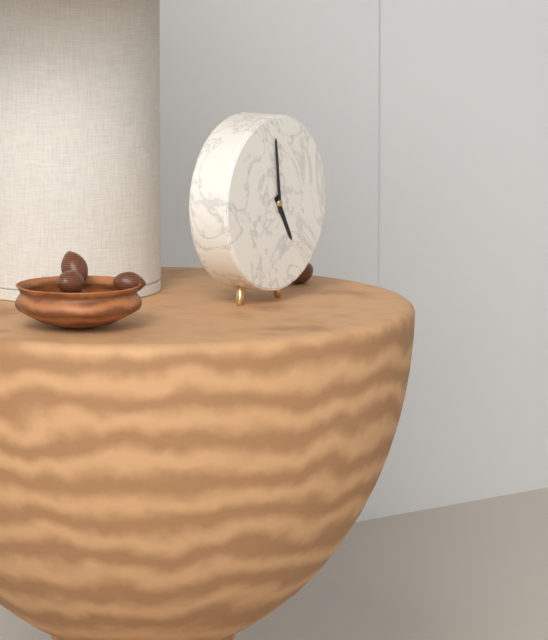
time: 4:59
